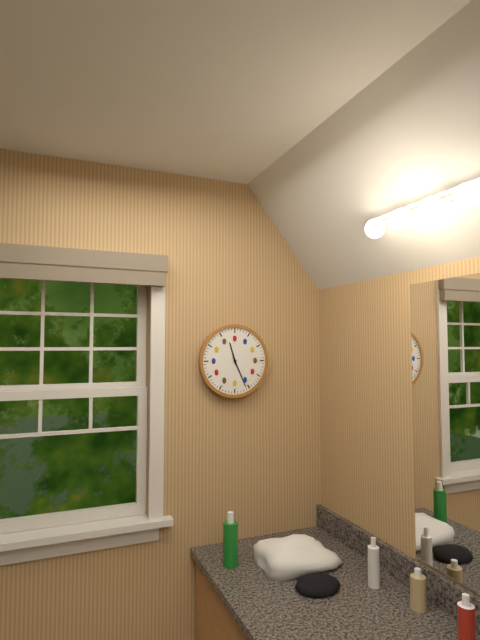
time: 11:26
